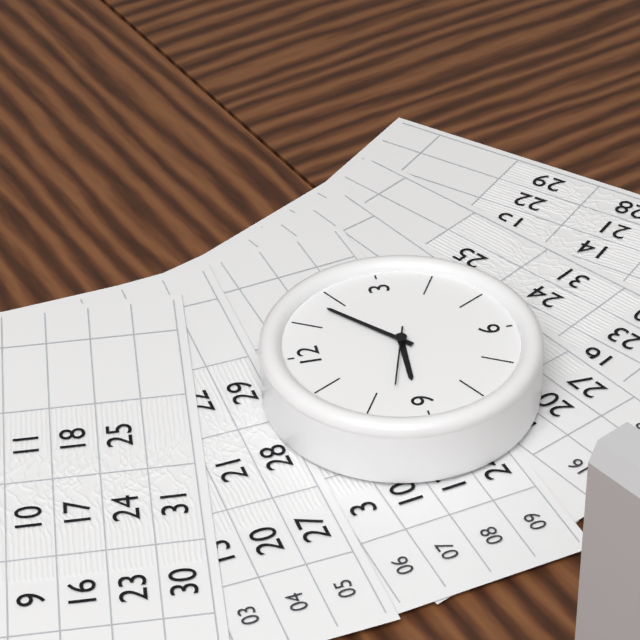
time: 9:08:48
